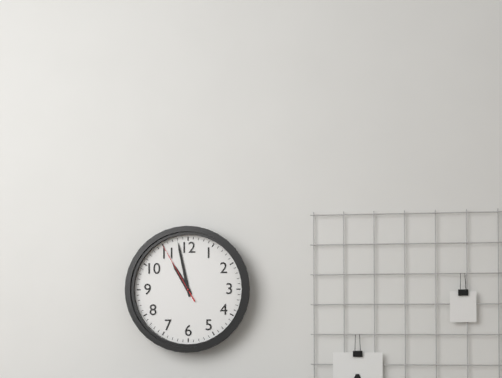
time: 10:58:55
